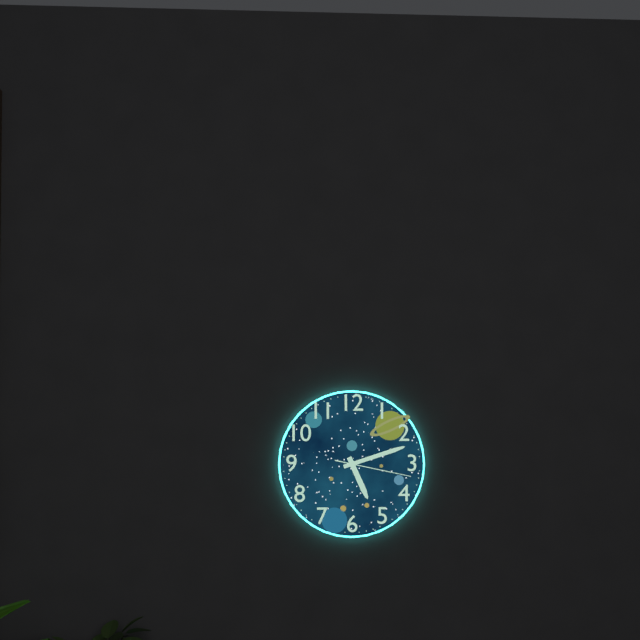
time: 5:12:17
